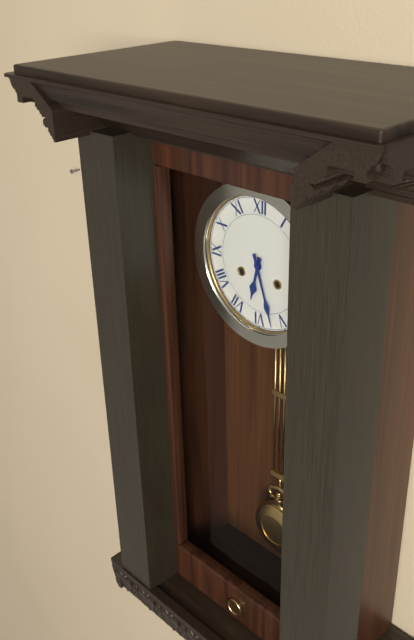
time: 6:27
